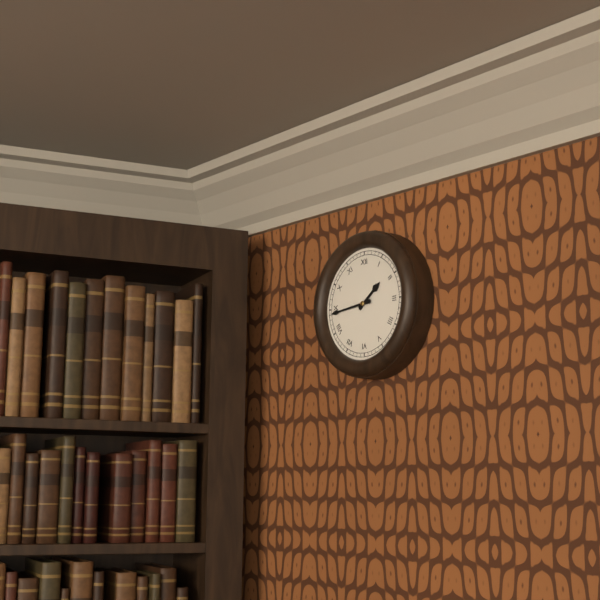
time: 1:44
